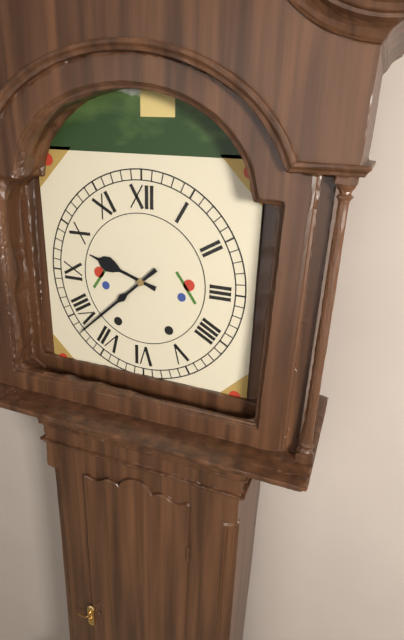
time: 9:38
